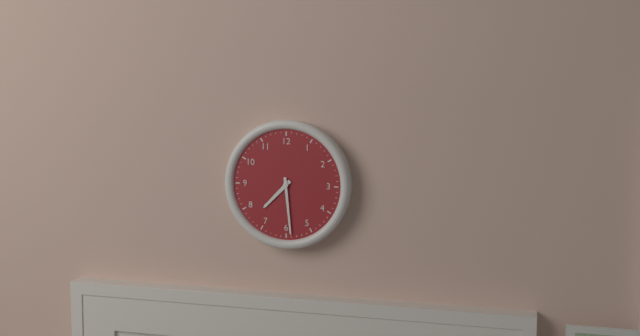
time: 7:29
